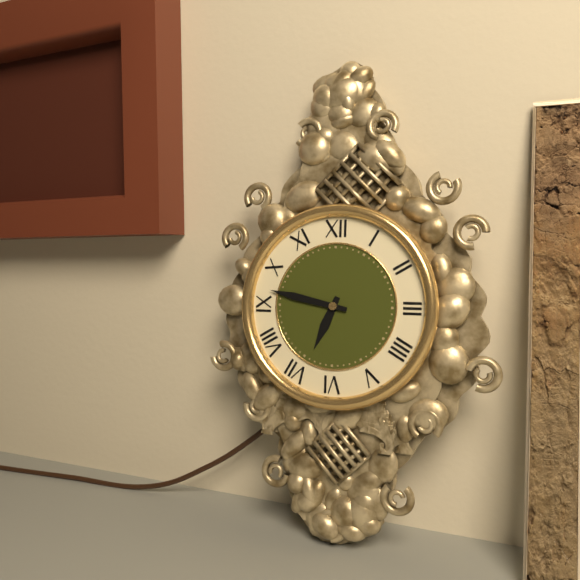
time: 6:47
